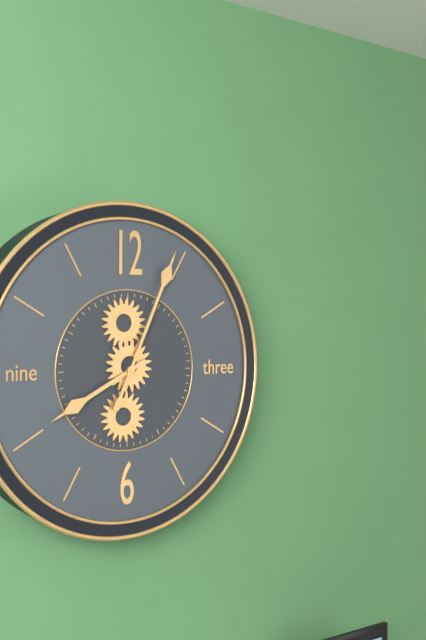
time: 8:04
